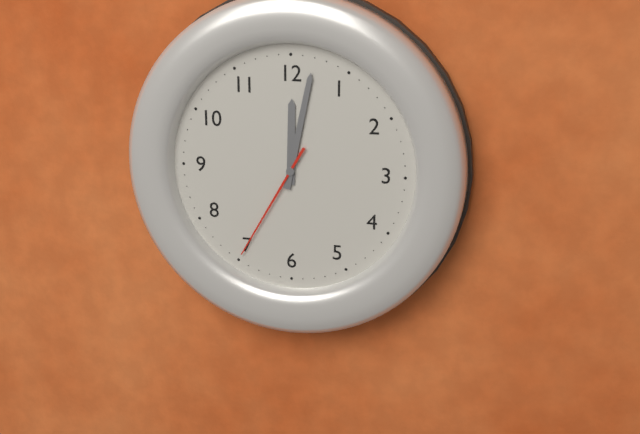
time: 12:02:35
